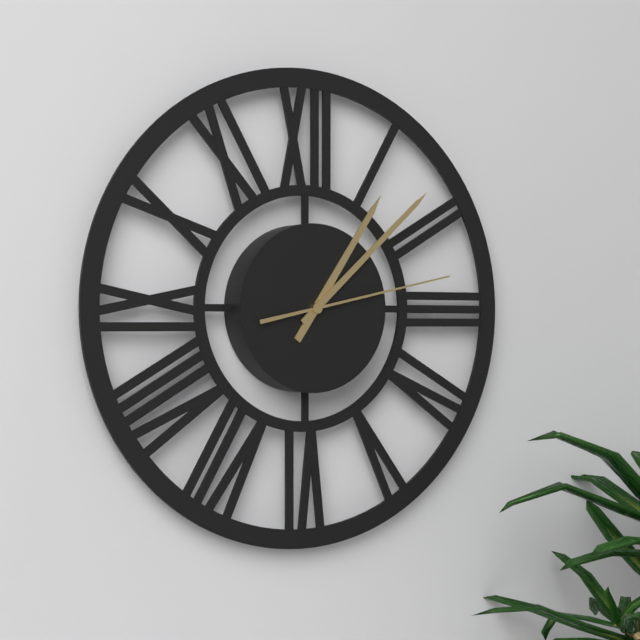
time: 1:08:13
